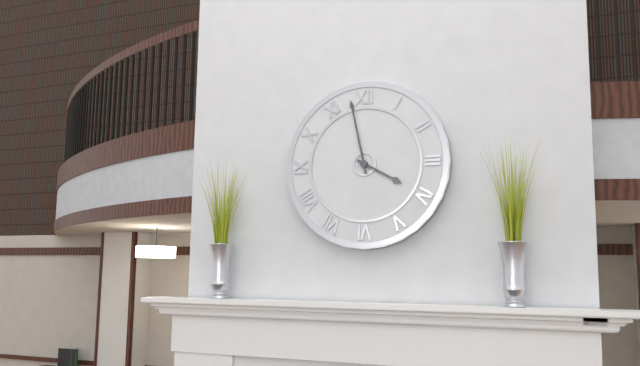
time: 3:58
